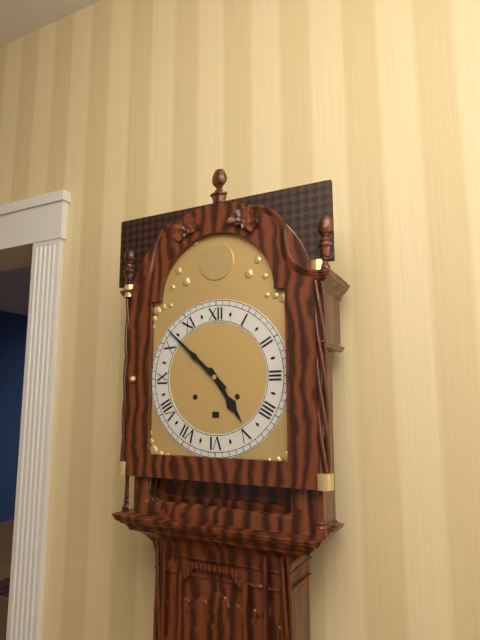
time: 4:52
